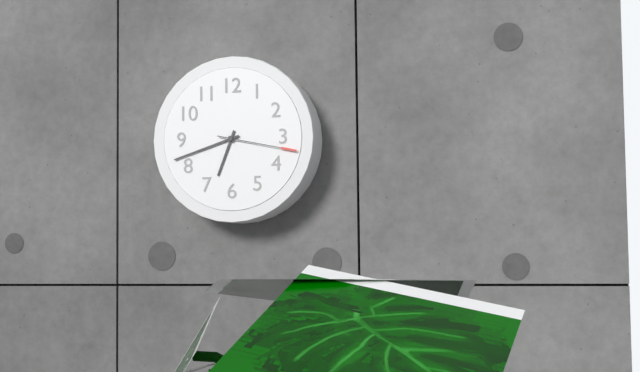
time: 6:42:17
